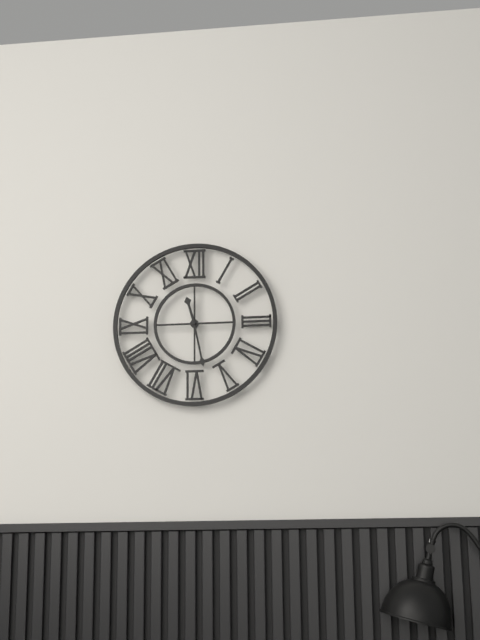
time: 11:28
